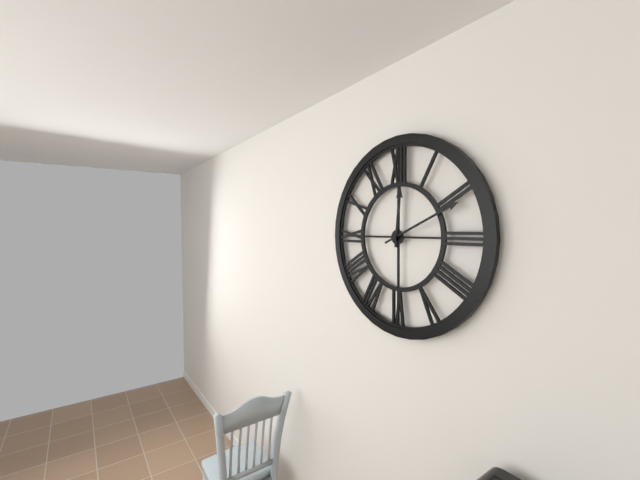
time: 12:11
